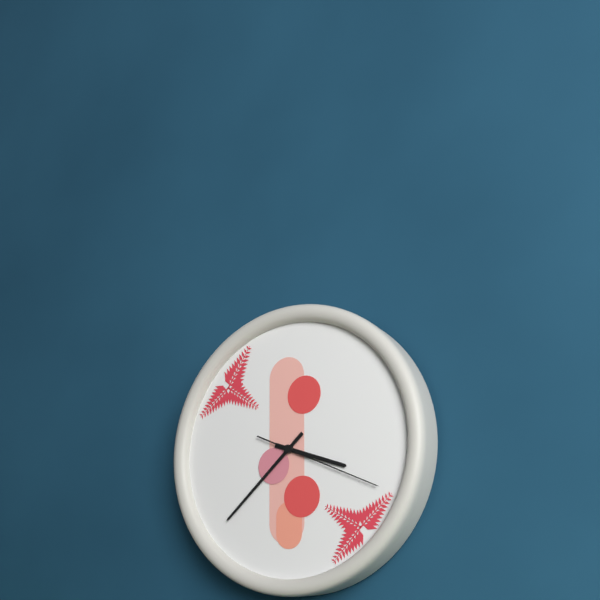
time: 3:38:19
